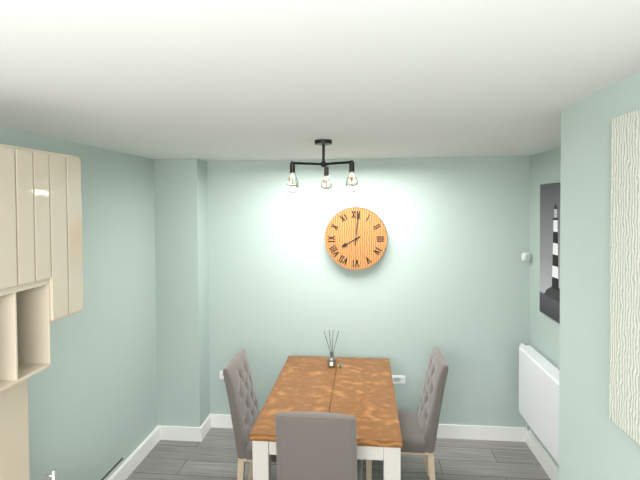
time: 8:01
